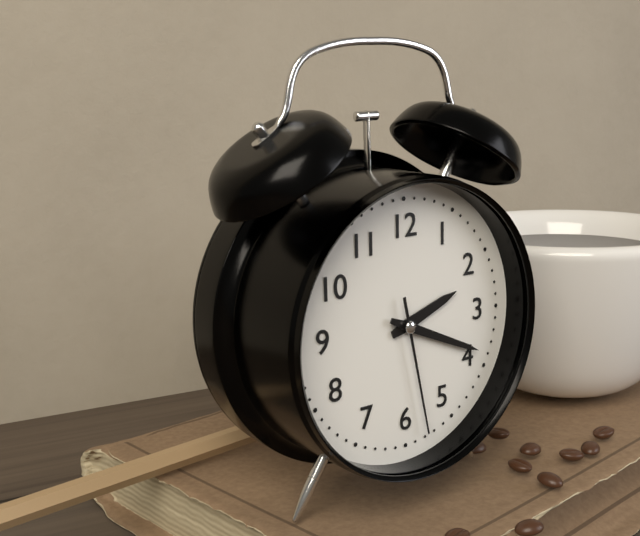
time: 2:19:28
